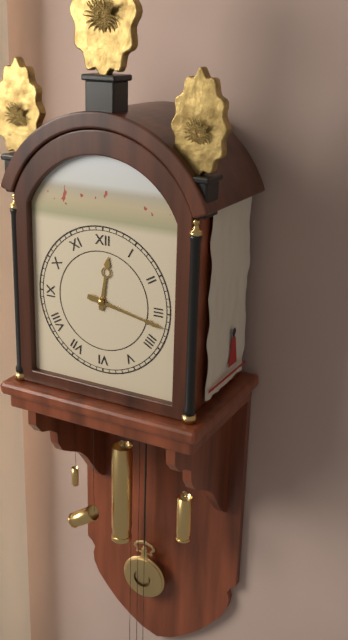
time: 12:17
